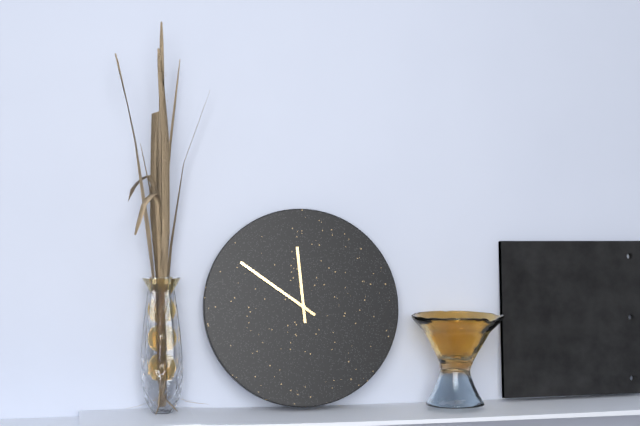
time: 11:51
